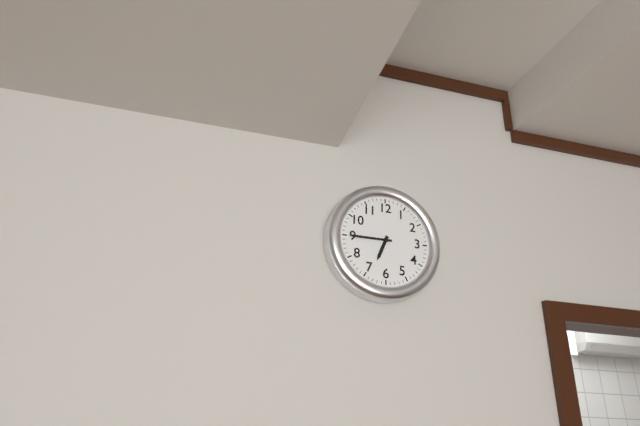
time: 6:45
